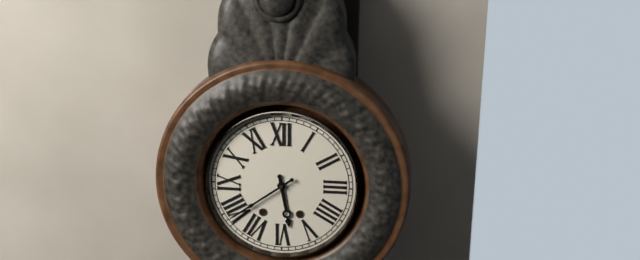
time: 5:39
